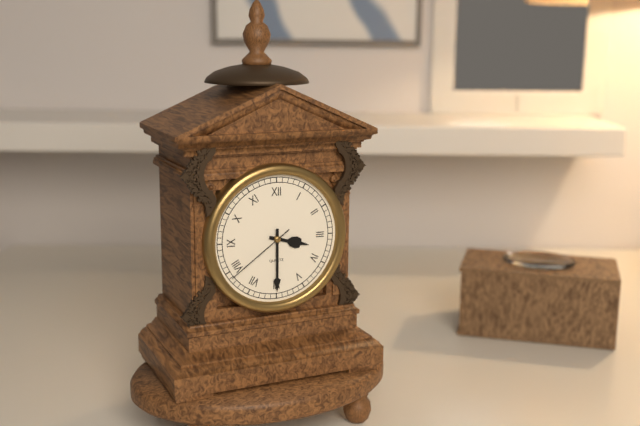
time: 3:30:39
